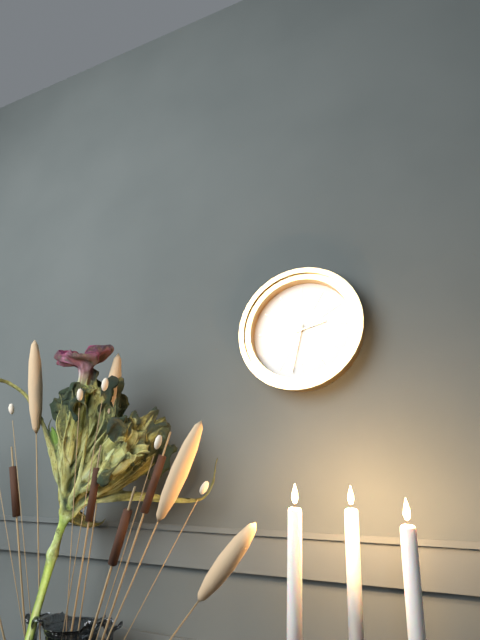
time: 2:32
